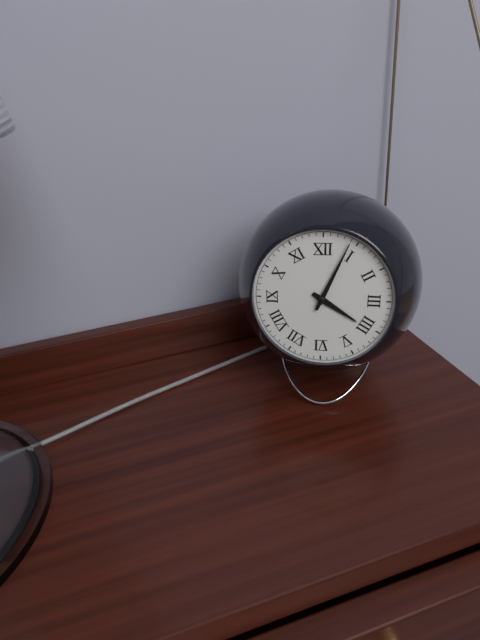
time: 4:04
